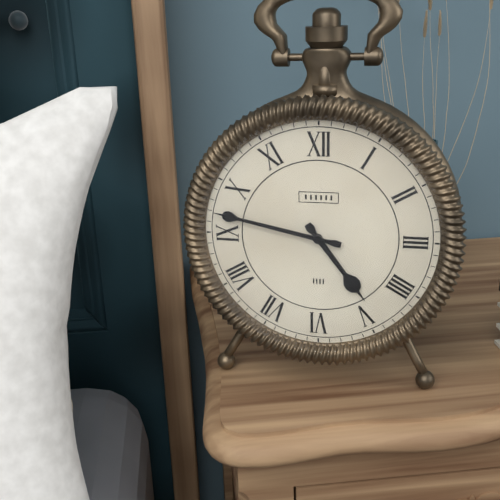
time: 4:47
